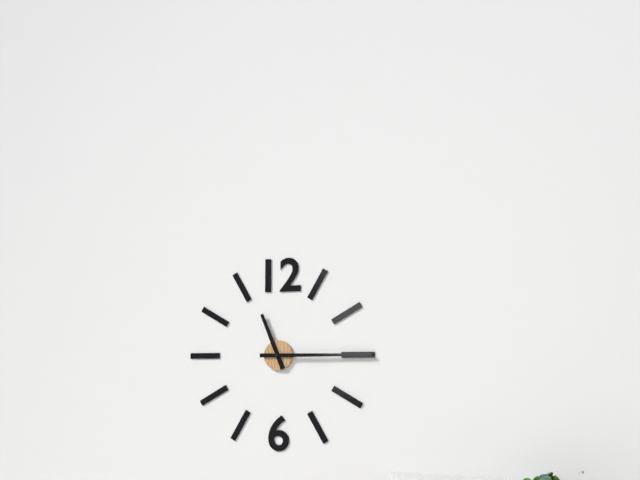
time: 11:15
